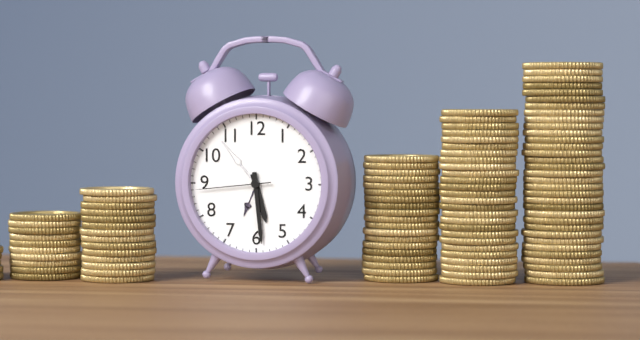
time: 5:29:44
